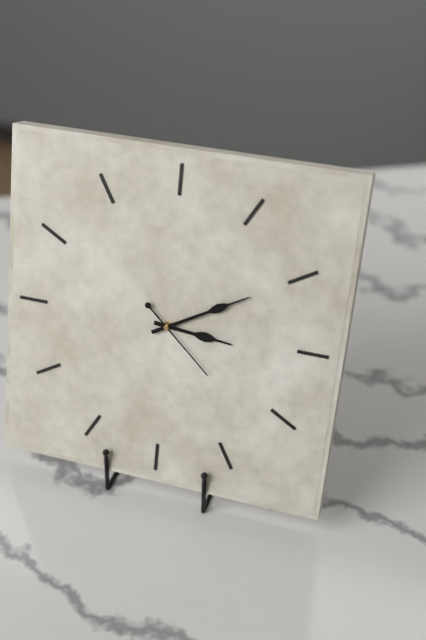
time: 3:10:22
